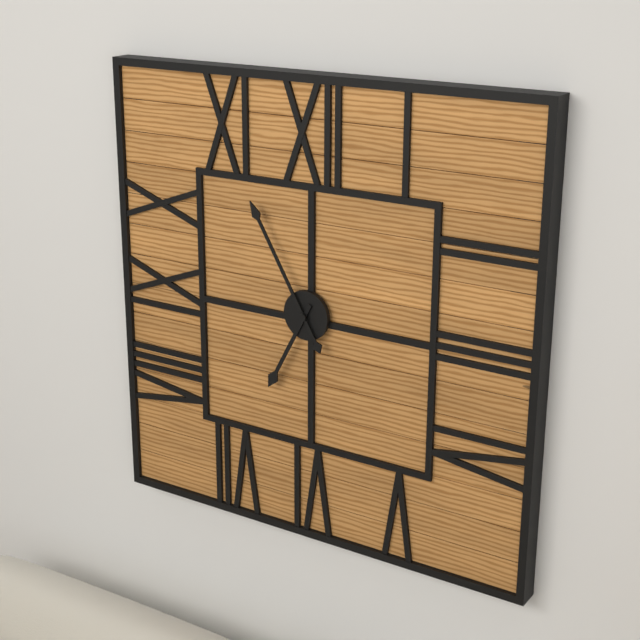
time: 6:55
